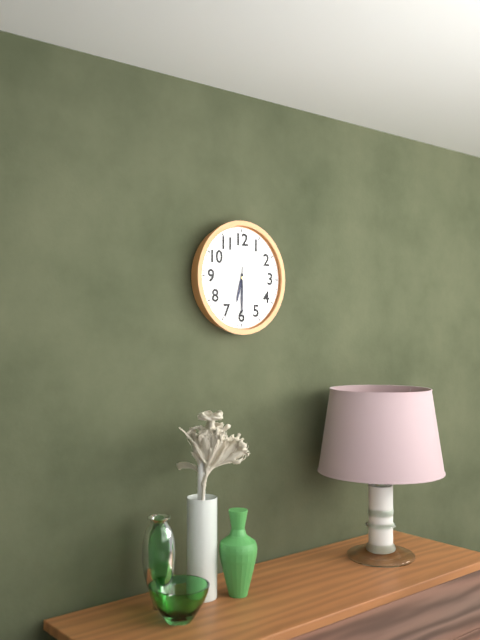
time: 6:30:30
